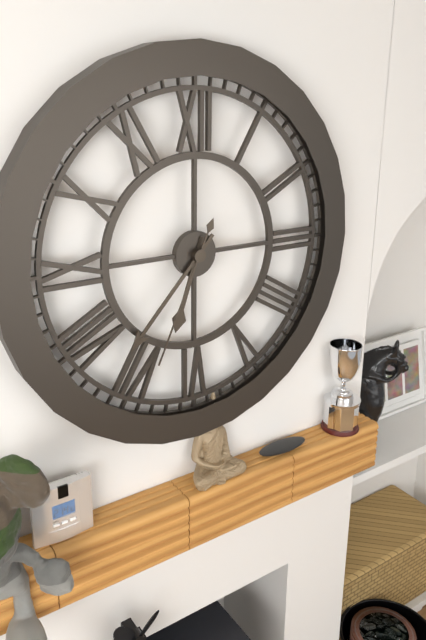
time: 6:37:34
